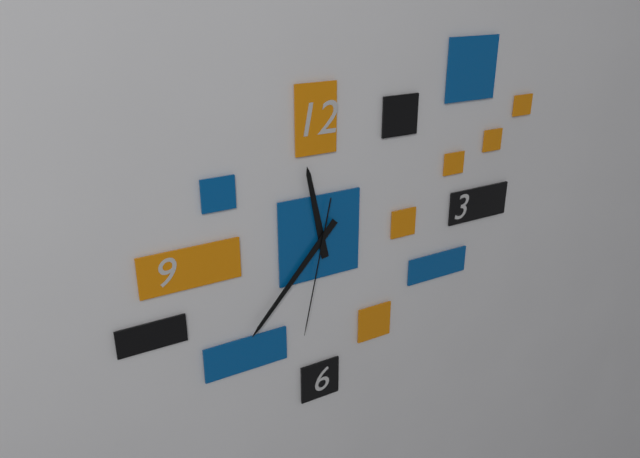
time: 11:37:32
